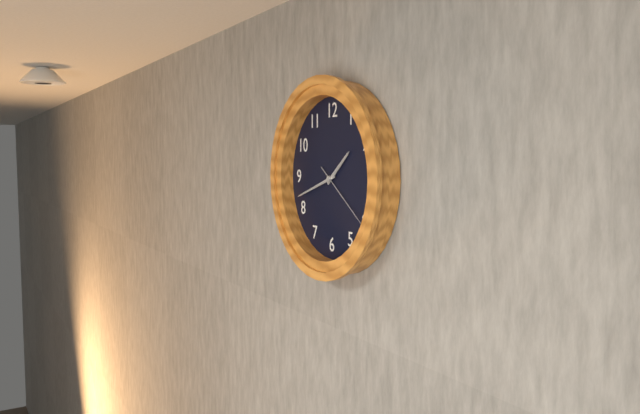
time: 1:42:21
